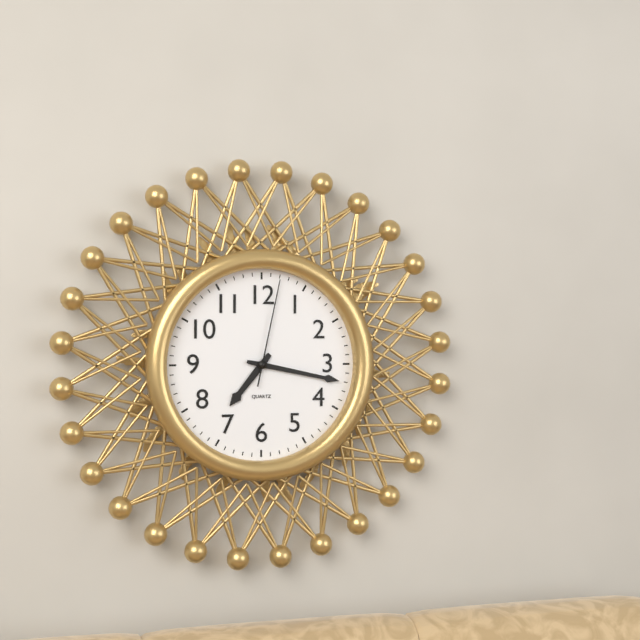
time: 7:17:02
